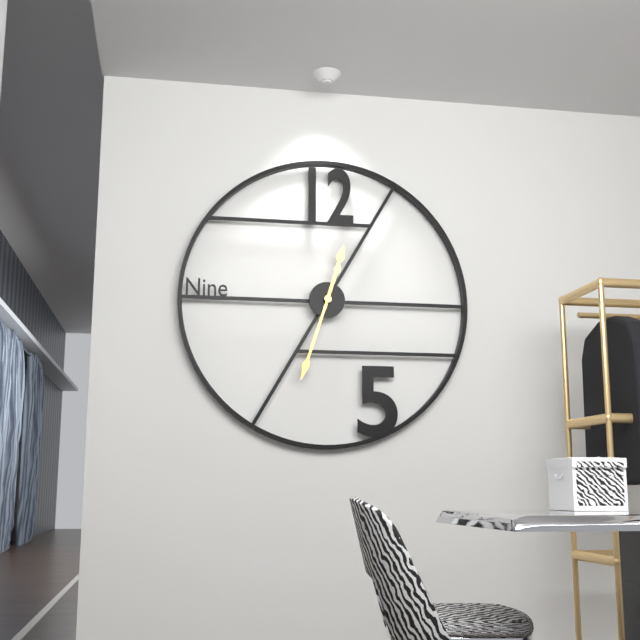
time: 12:33
